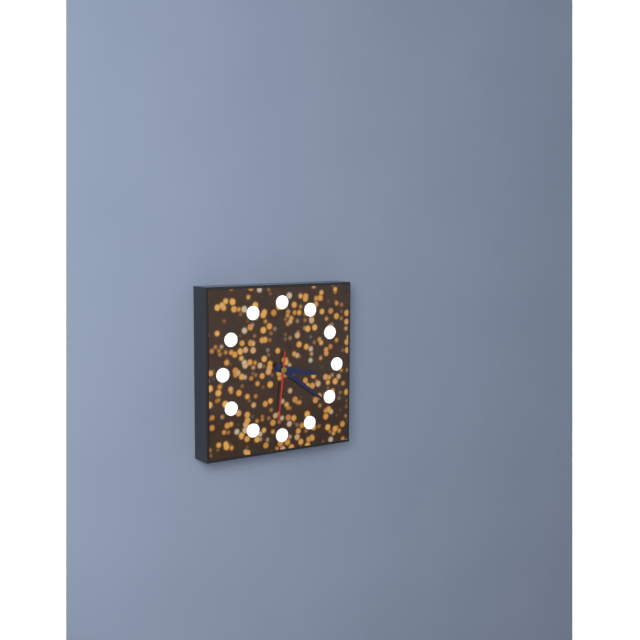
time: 3:21:31
